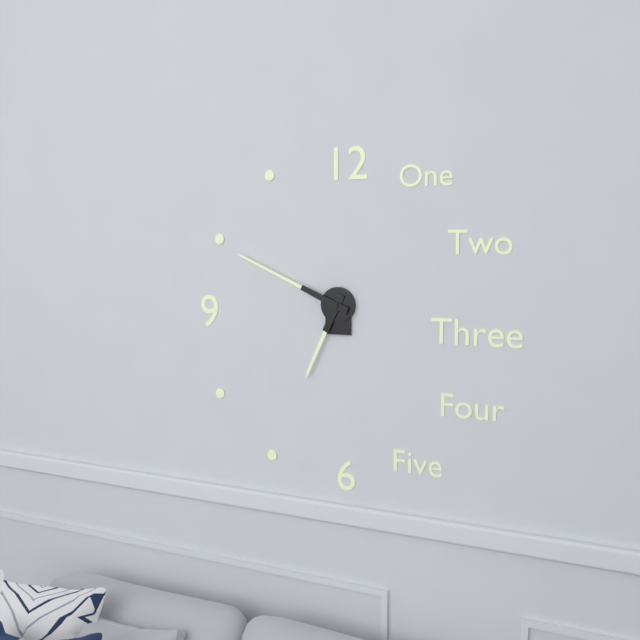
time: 6:49
